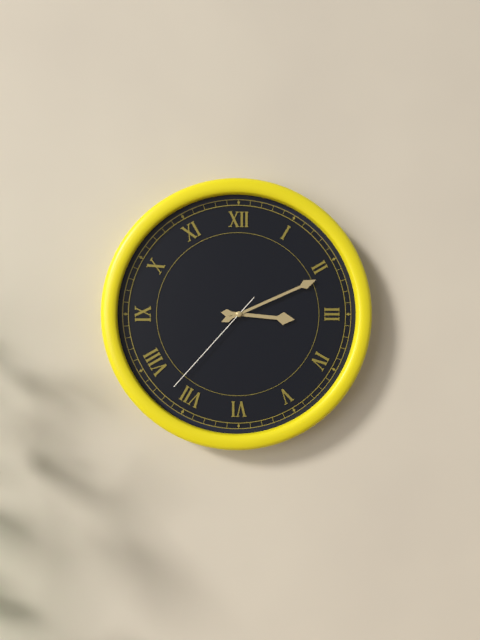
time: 3:11:37
